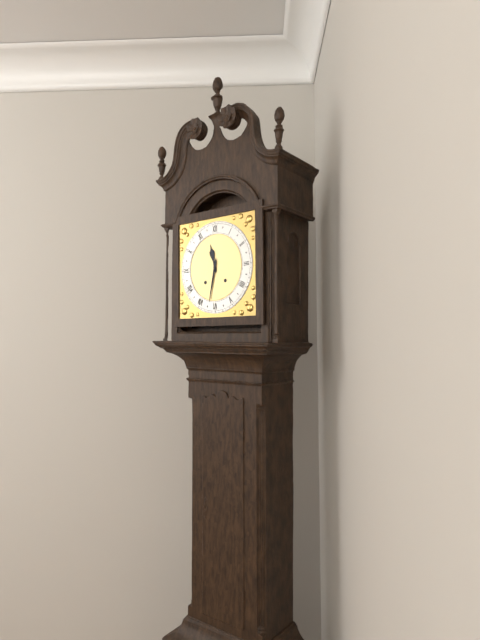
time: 11:32
